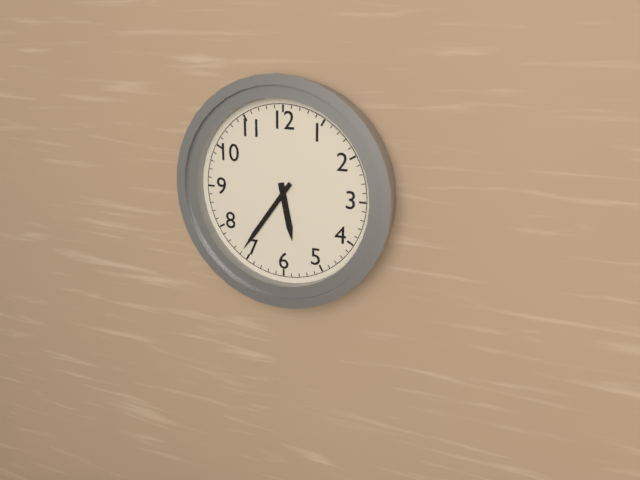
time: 5:36
